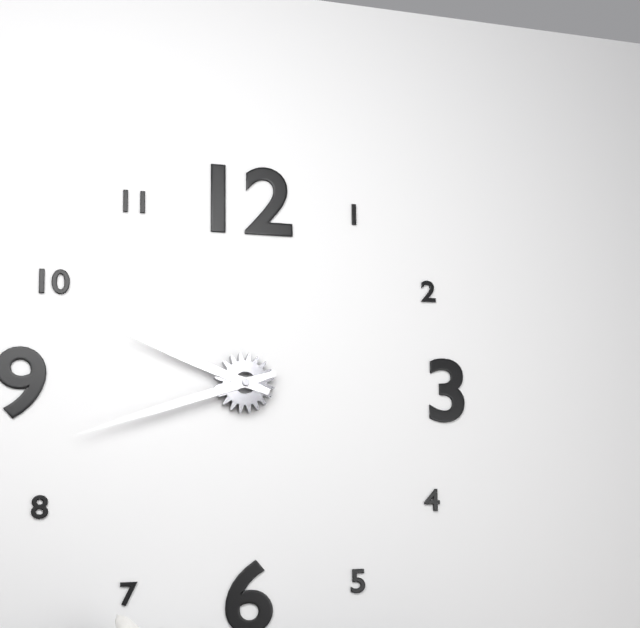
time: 9:42
